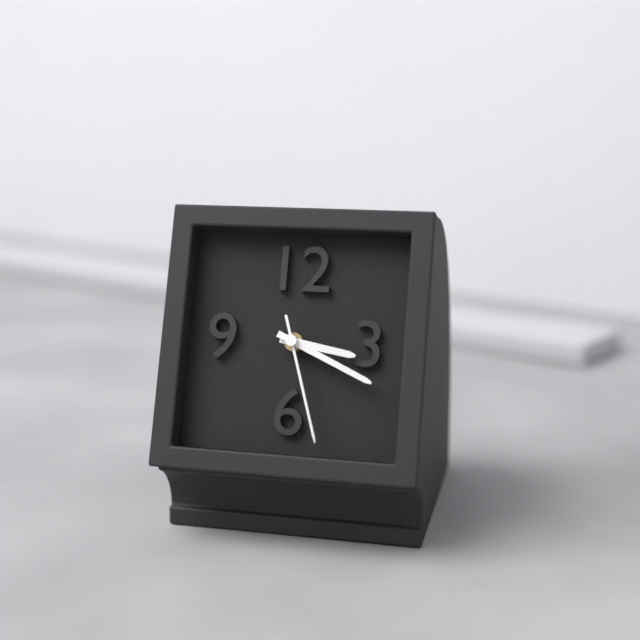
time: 3:19:27
